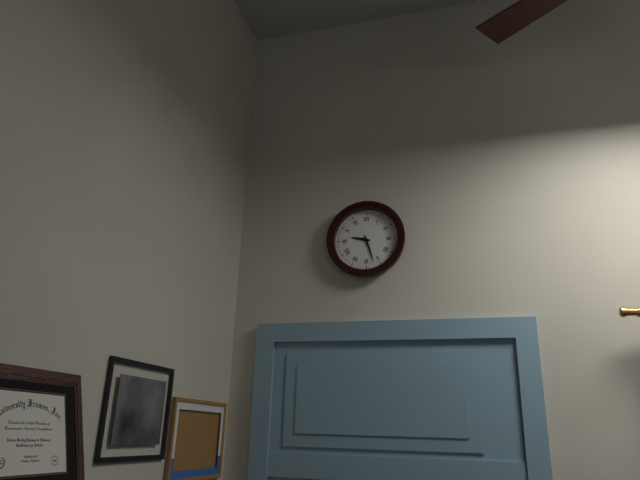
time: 9:27
